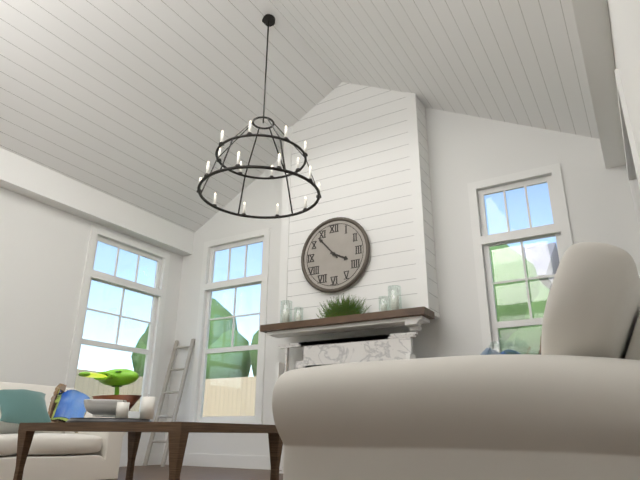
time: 3:53
